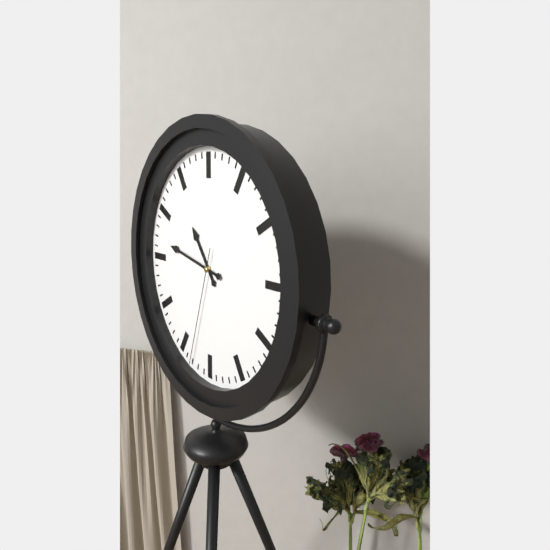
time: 10:47:33
